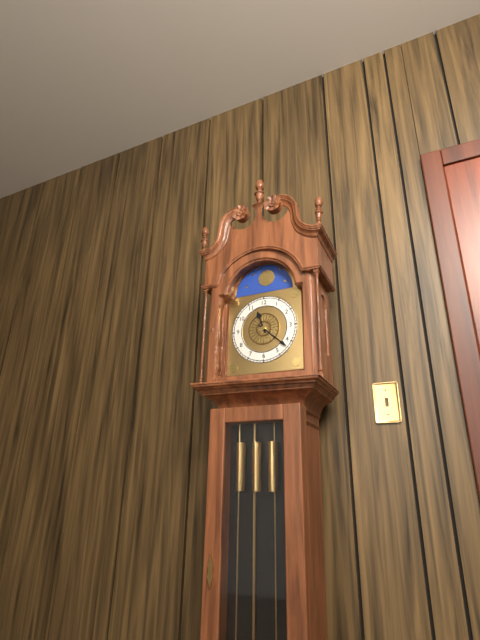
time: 11:22
